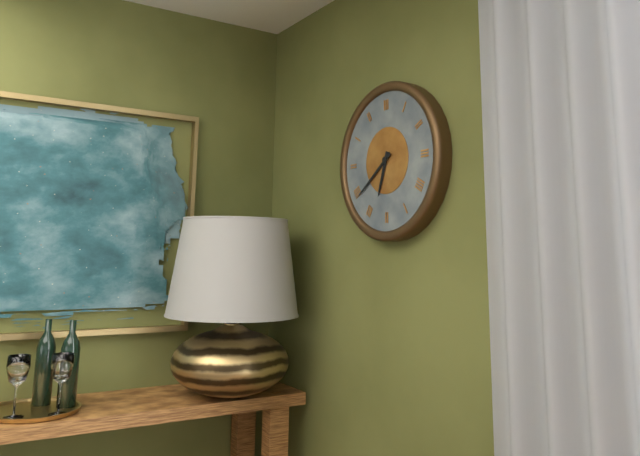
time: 6:39
